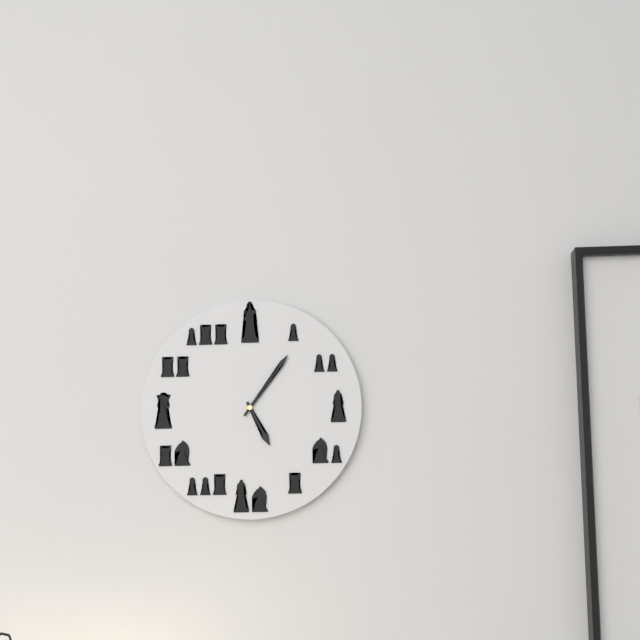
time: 5:06
